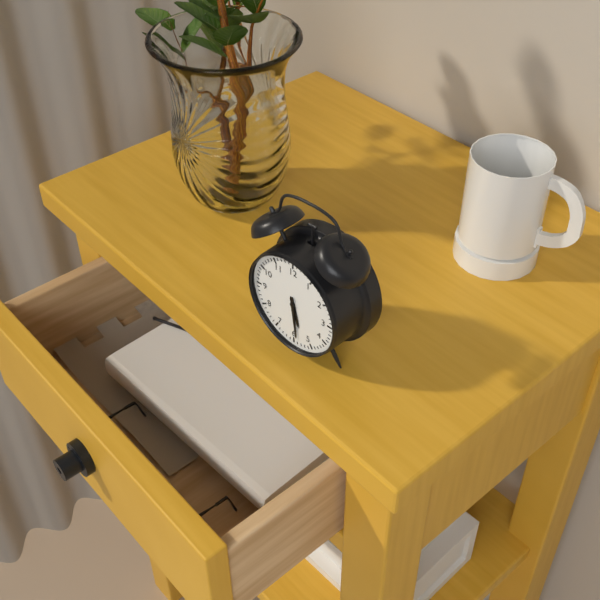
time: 5:29
